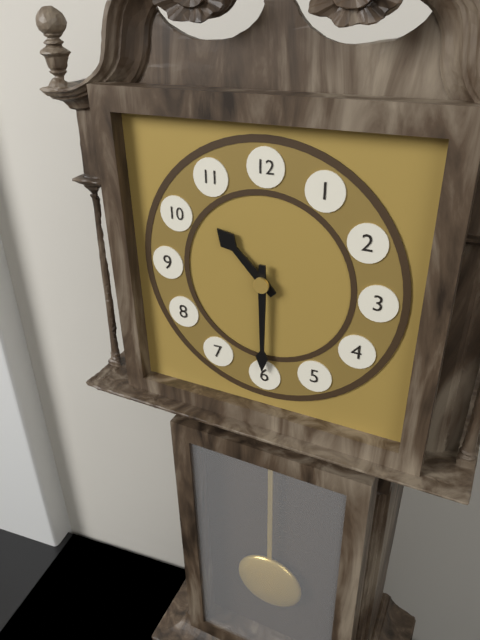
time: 10:30
